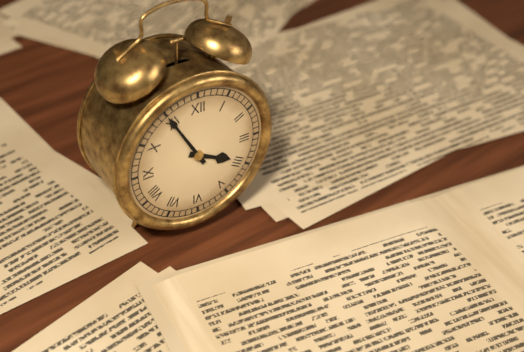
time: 3:55
